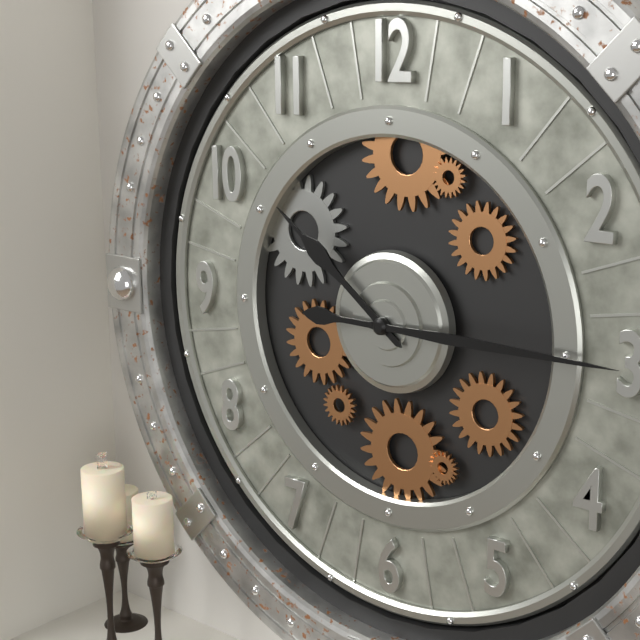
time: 10:15
